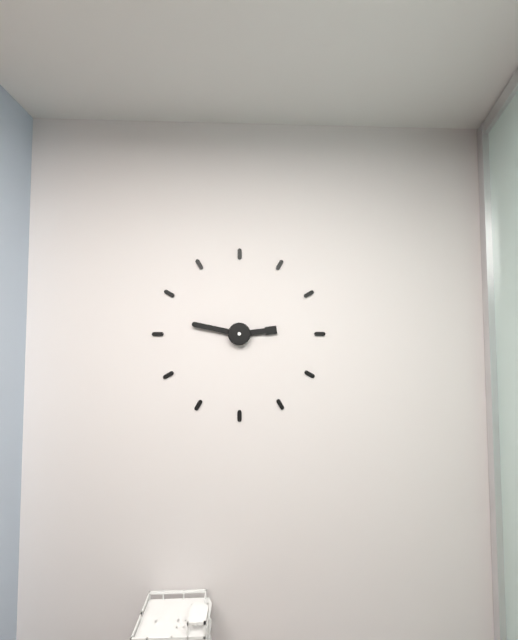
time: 2:47
